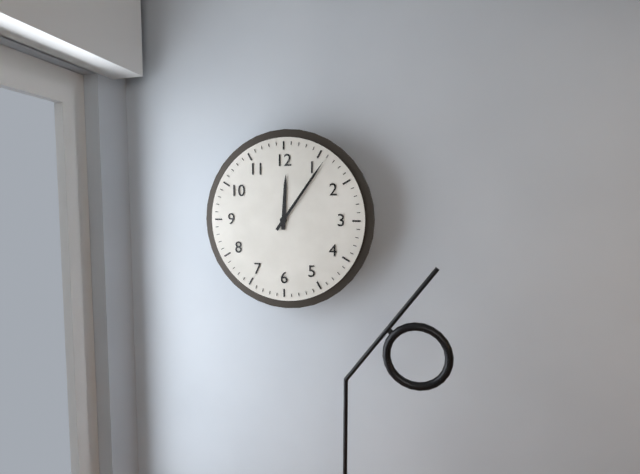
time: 12:06
